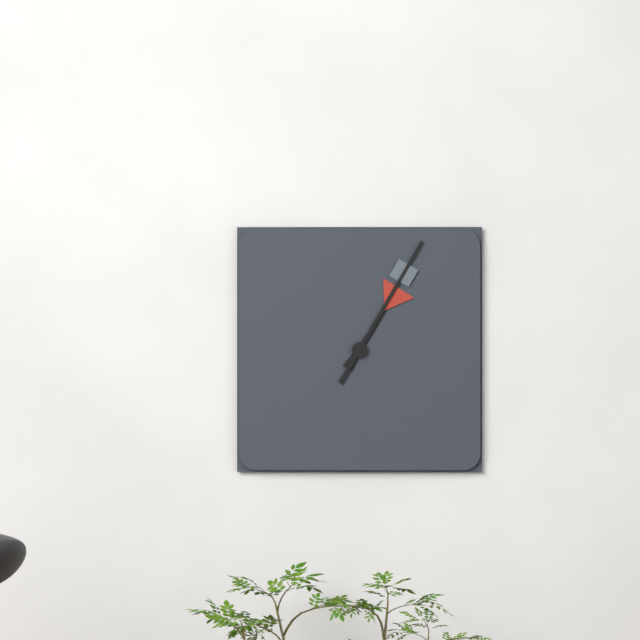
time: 1:05
